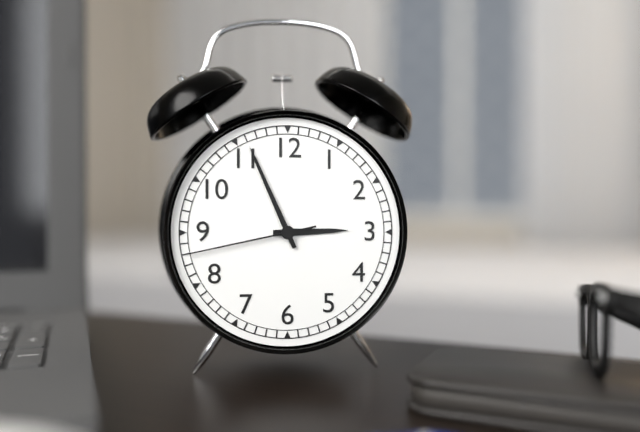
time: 2:56:43
